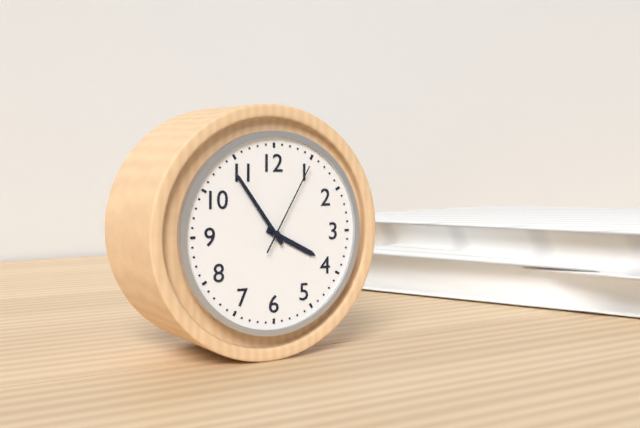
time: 3:54:05
